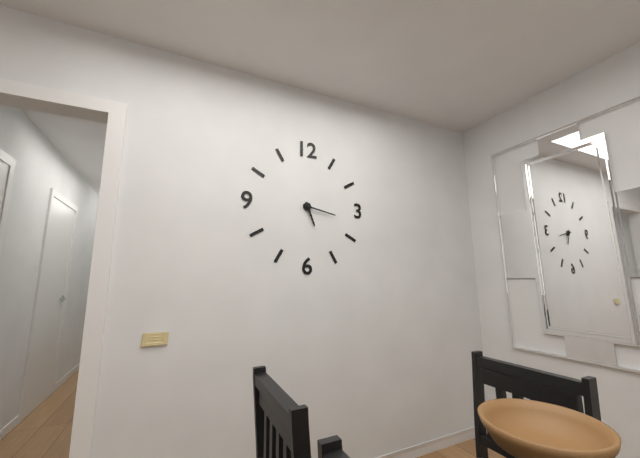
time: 5:17
